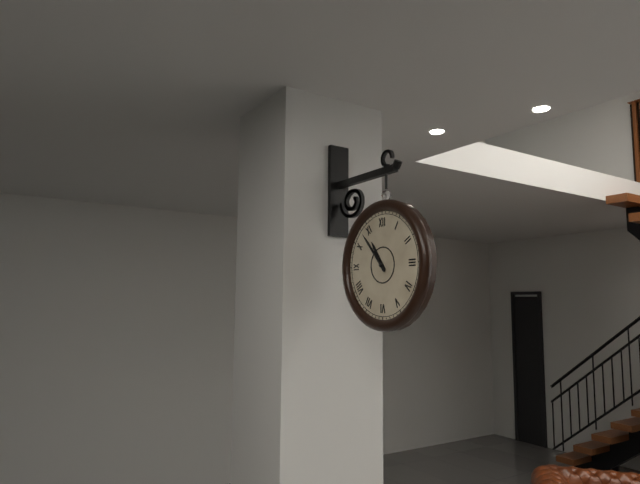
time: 10:53
